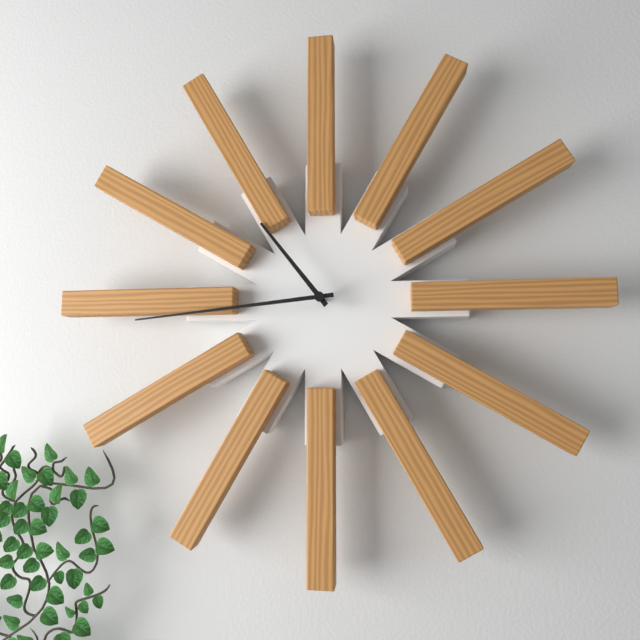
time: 10:44
